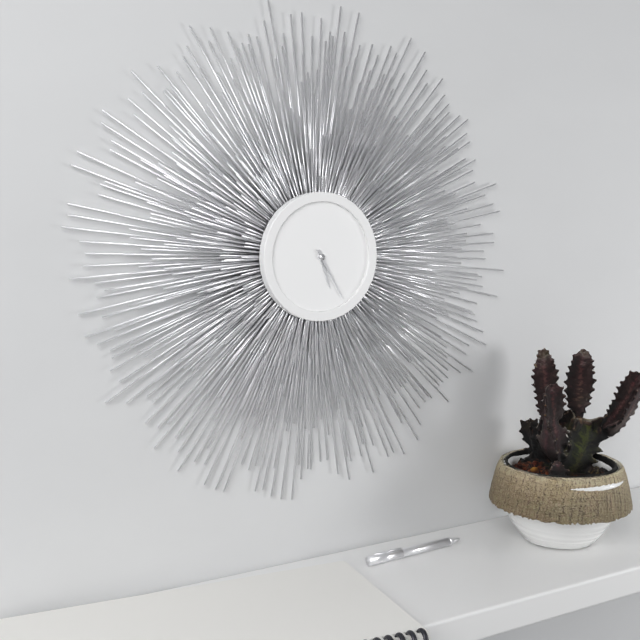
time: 5:25
